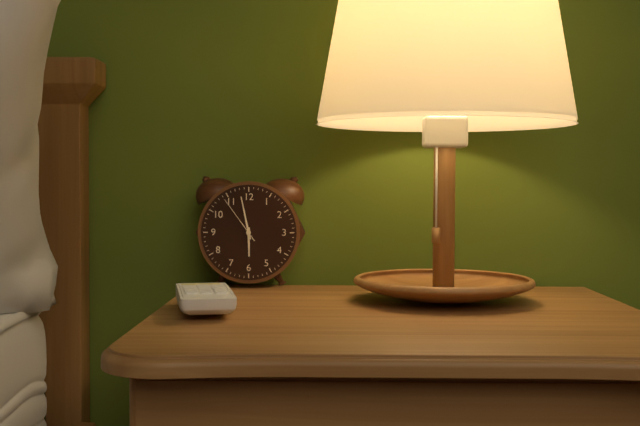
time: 5:58:54
